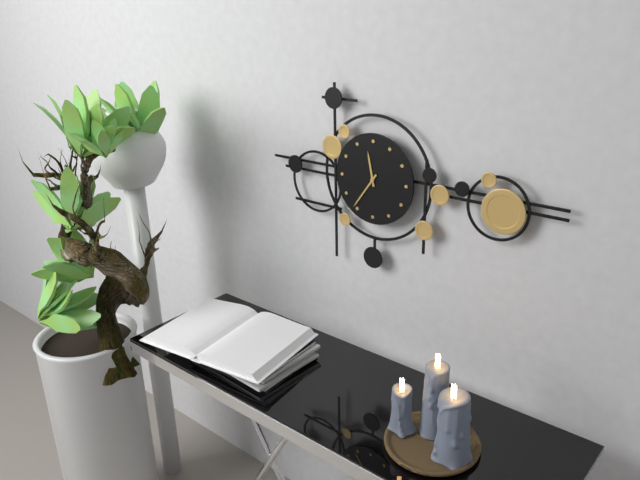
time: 11:36
